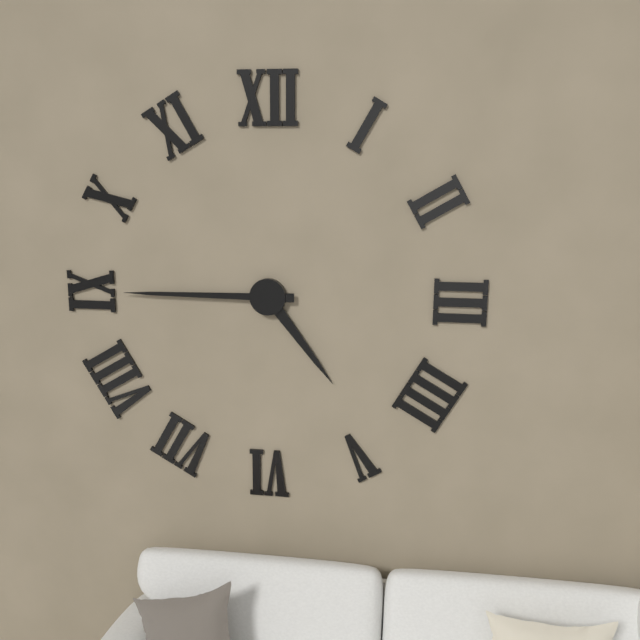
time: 4:45
